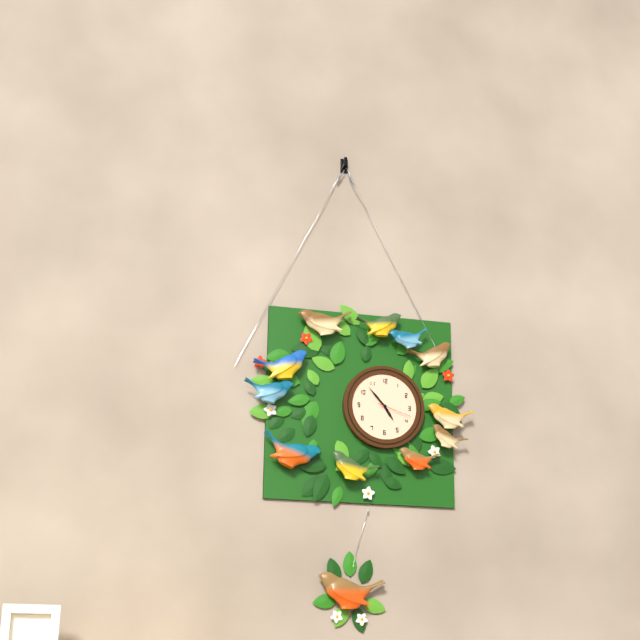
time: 4:53
